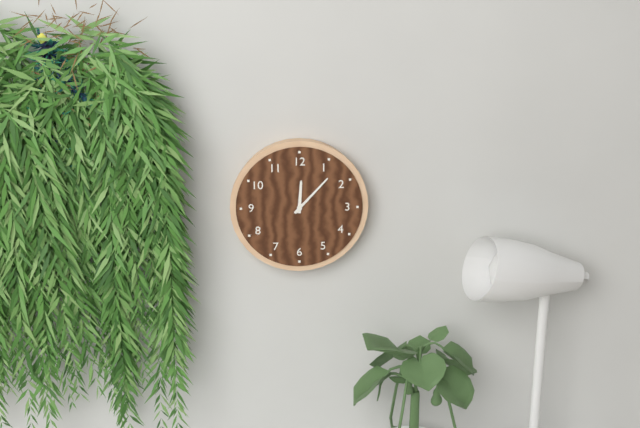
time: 12:07
